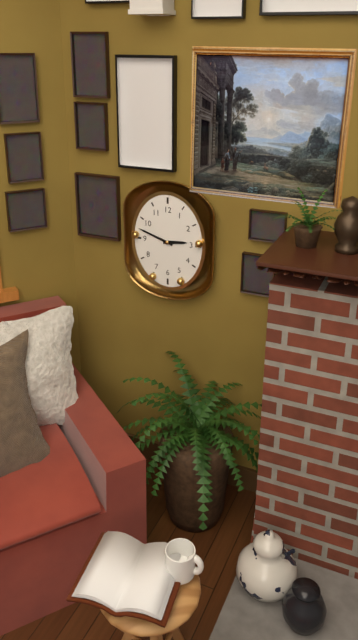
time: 2:48
